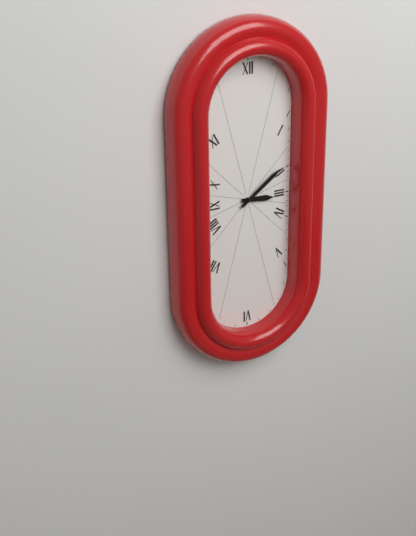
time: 3:09
